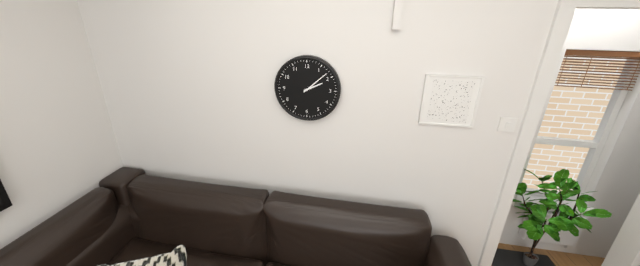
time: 2:08
